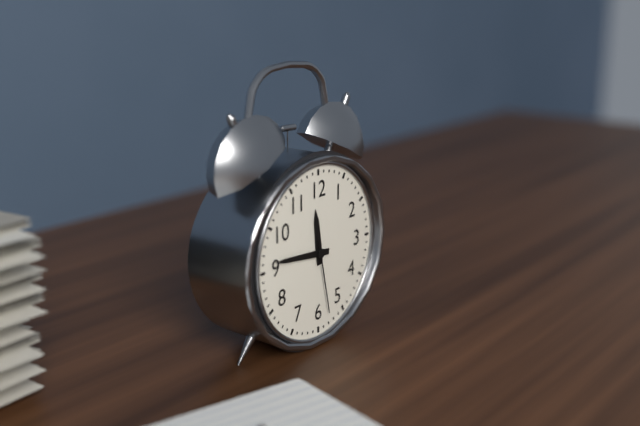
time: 11:46:28
